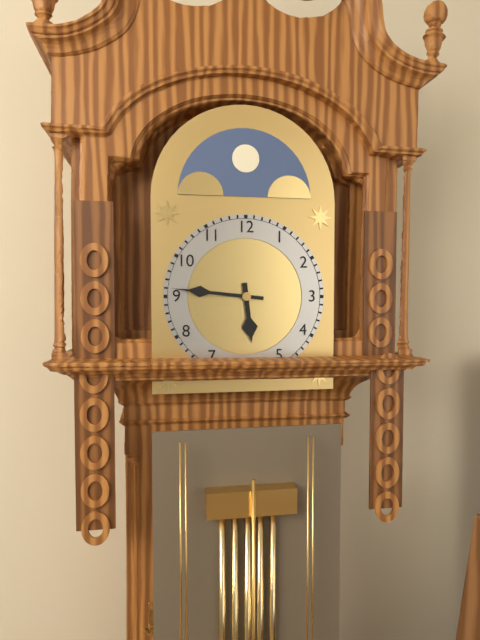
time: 5:46
